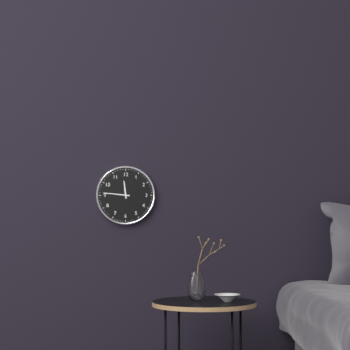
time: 11:46
